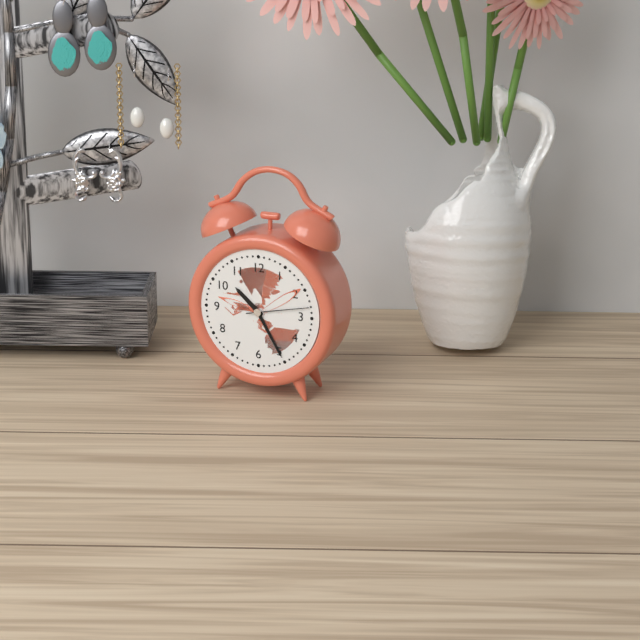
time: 10:25:13
